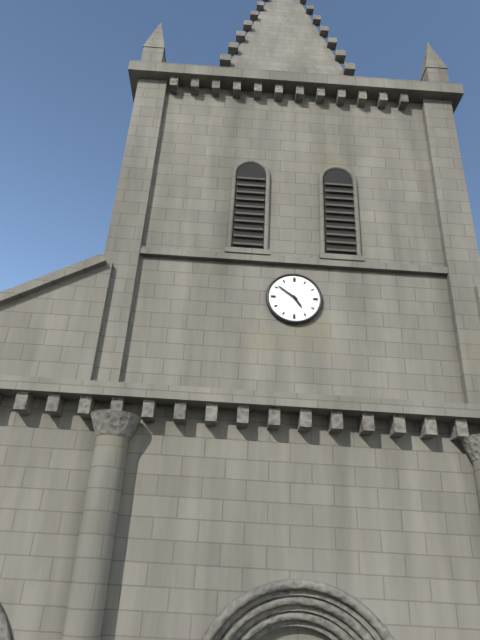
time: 4:51
